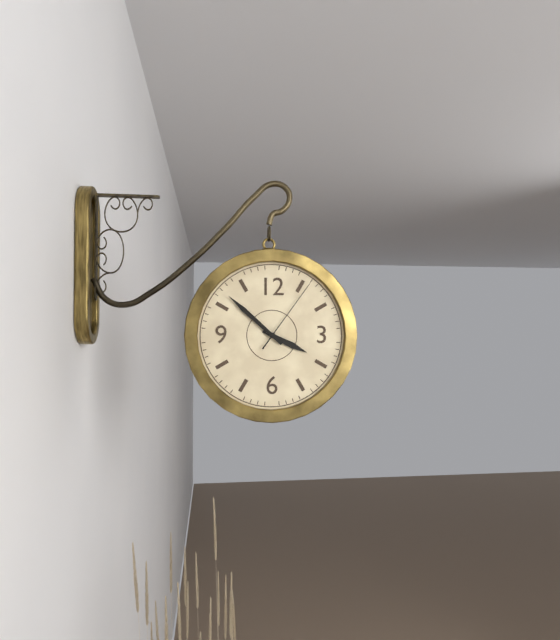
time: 3:52:06
